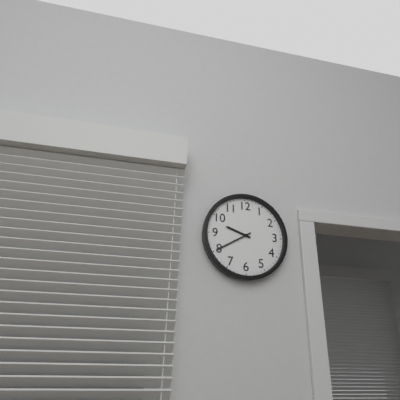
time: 9:40
